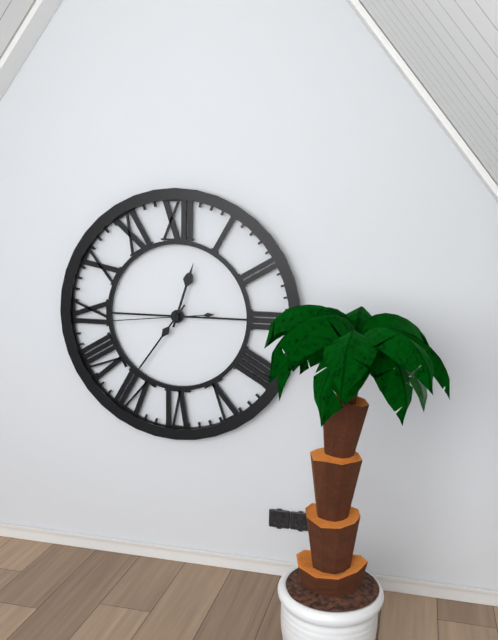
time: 12:36:44
